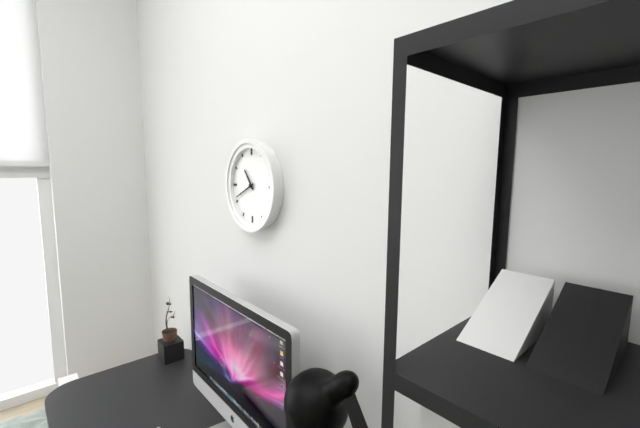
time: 10:41
